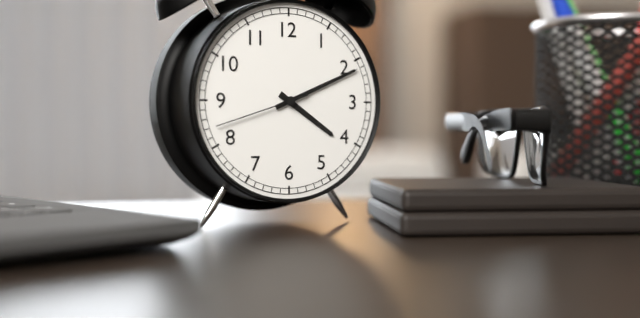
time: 4:11:42
